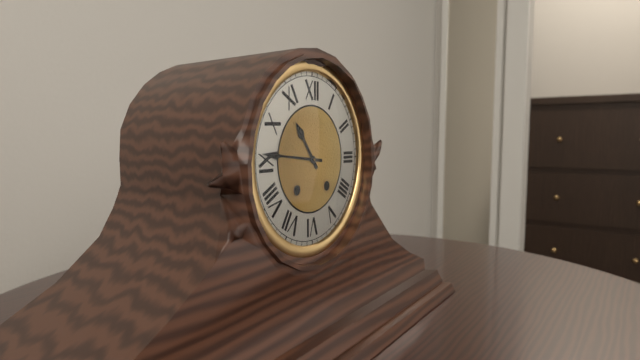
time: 10:46
